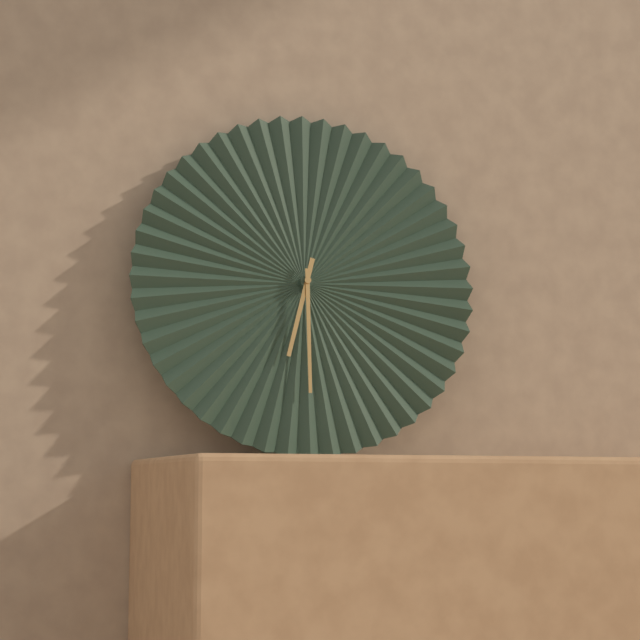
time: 6:30
